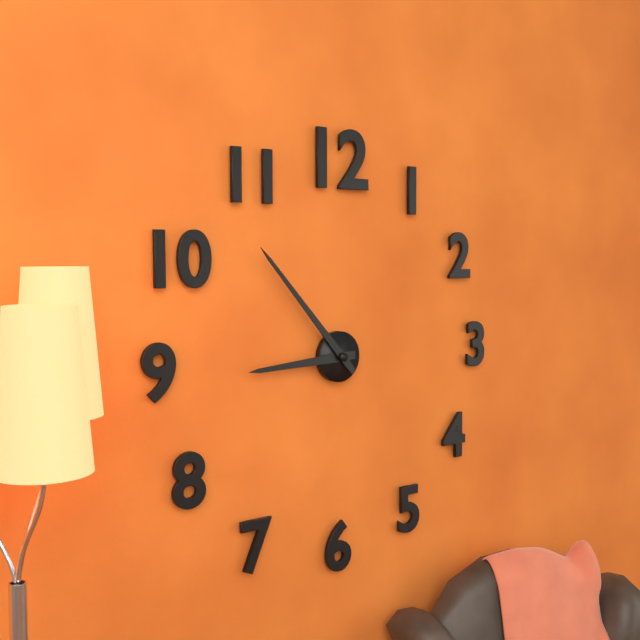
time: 8:53
